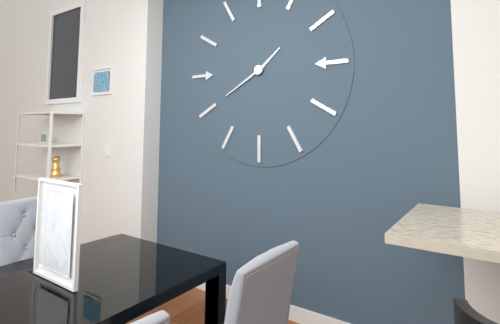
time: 1:40
